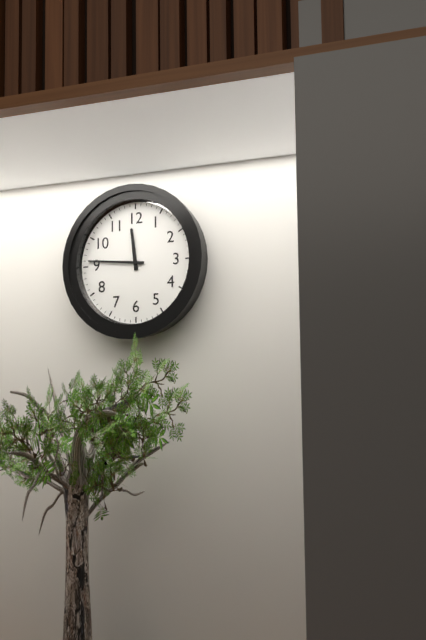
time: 11:46
